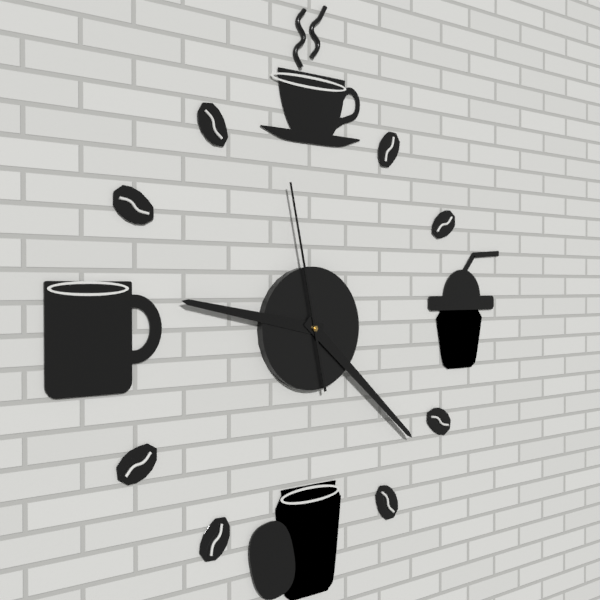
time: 9:22:58
